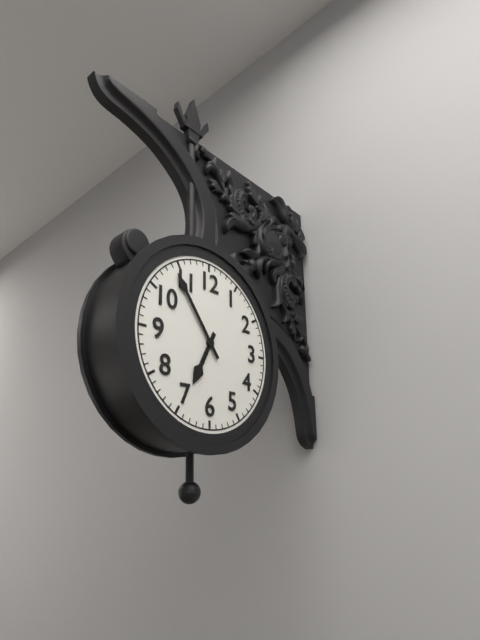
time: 6:54
